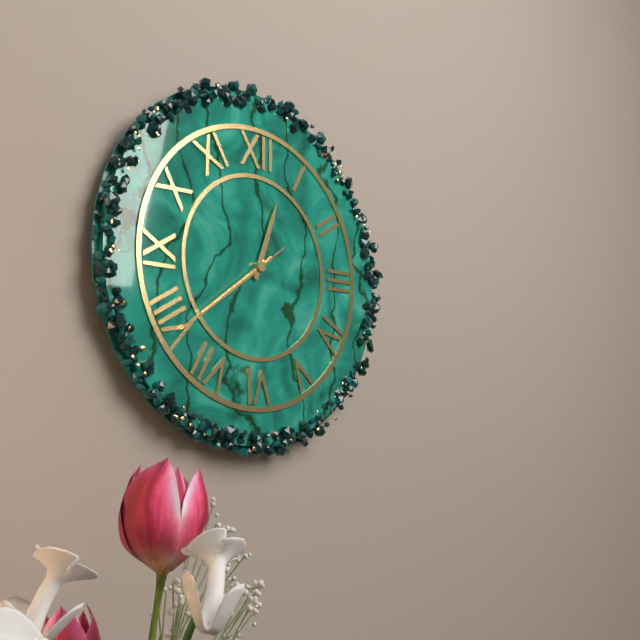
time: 12:39:39
